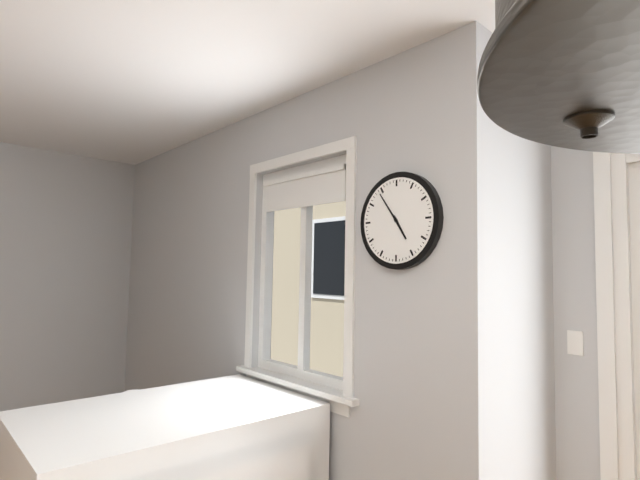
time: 4:54
